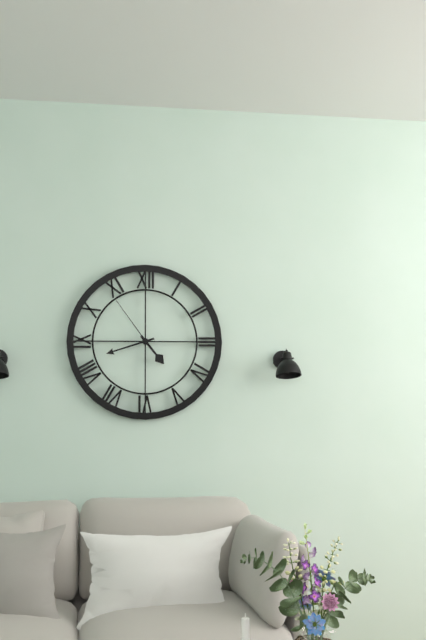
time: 4:42:54
